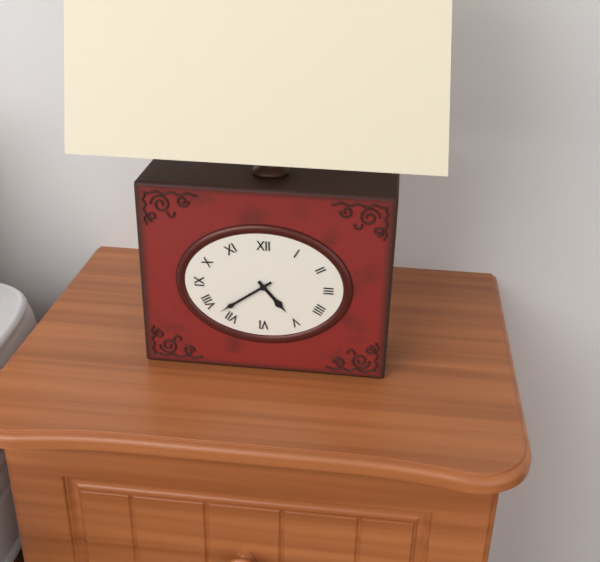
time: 4:39
